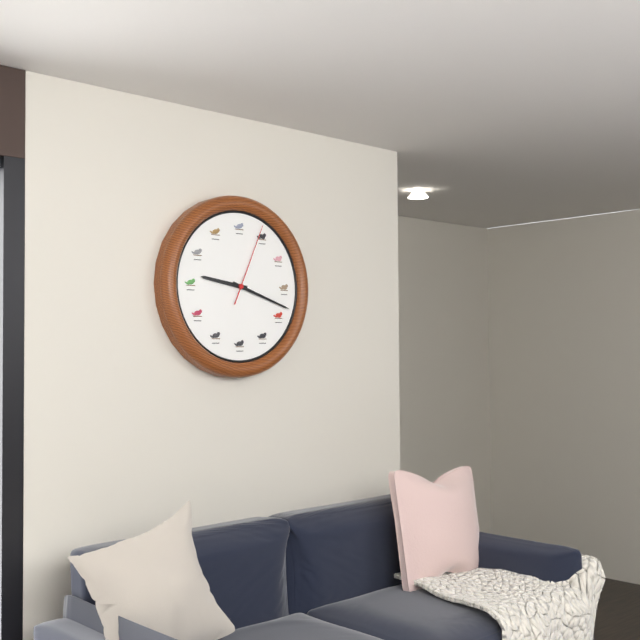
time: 9:18:04
